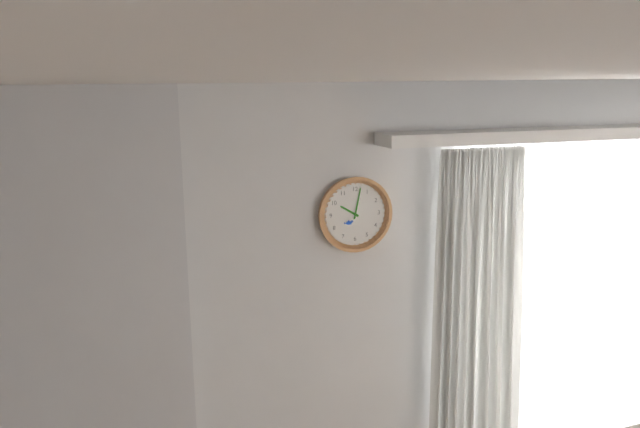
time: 10:02
